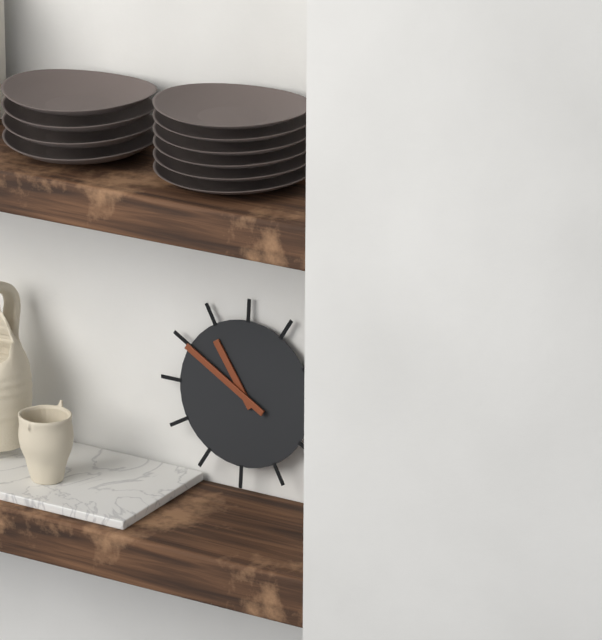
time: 10:50
